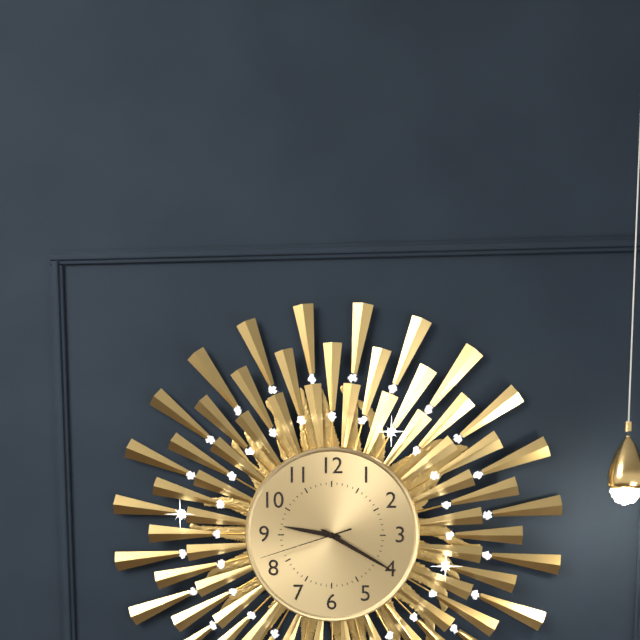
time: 9:20:42
